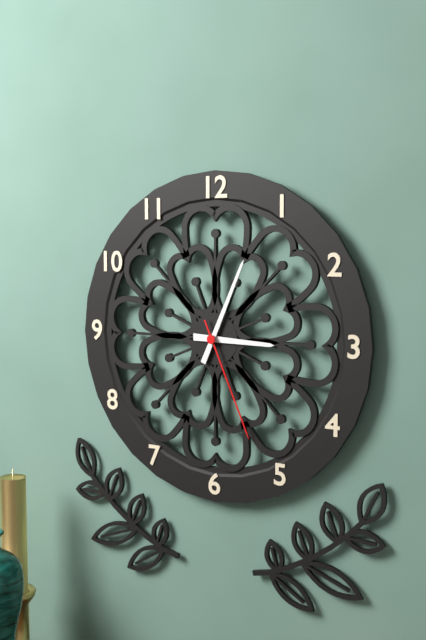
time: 3:04:26
